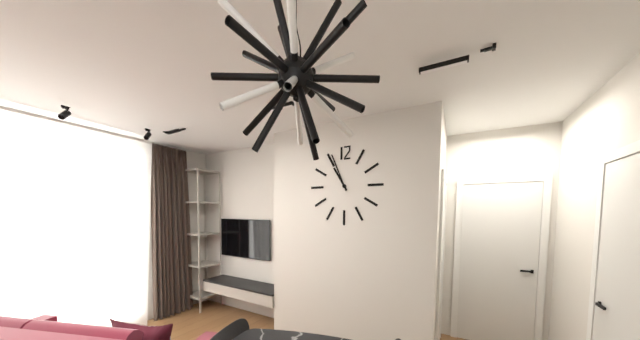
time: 10:56
